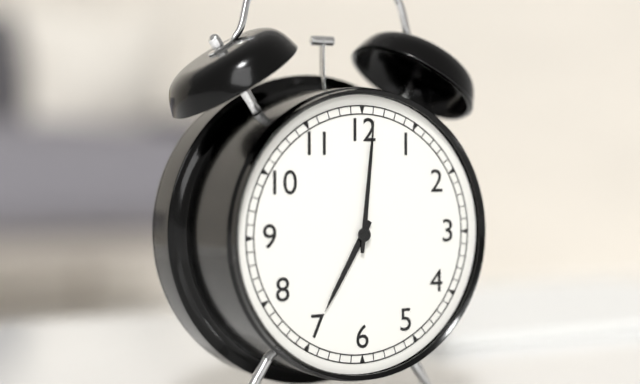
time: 7:01
